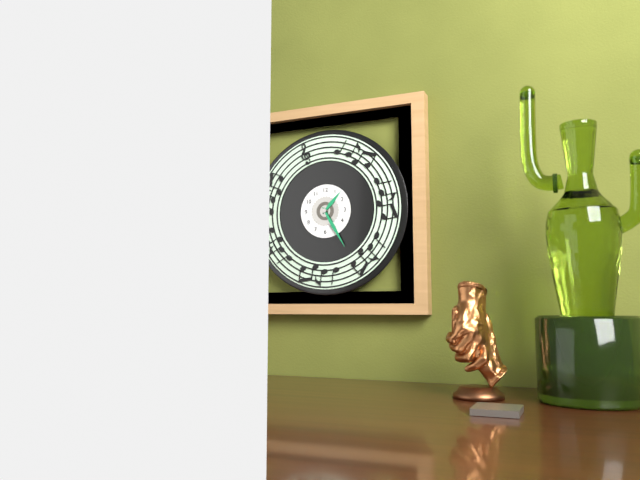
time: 1:25
